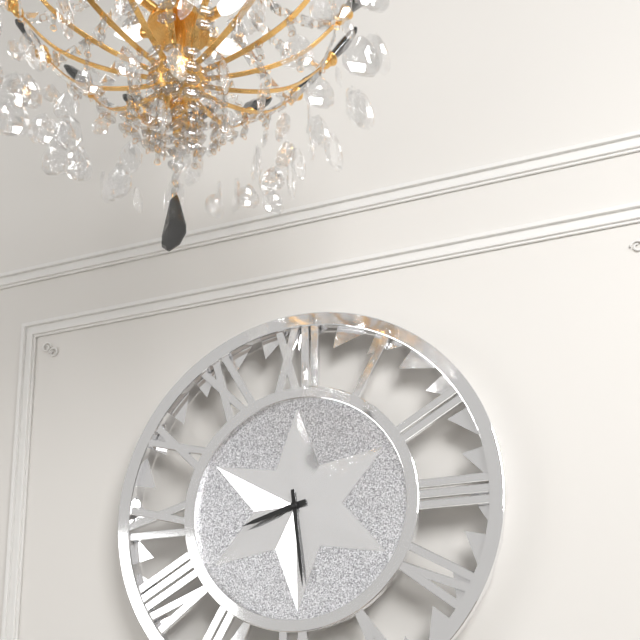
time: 8:29
